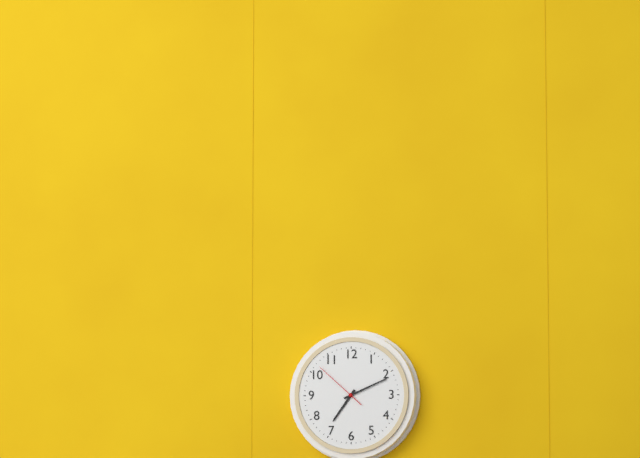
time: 7:11:52
